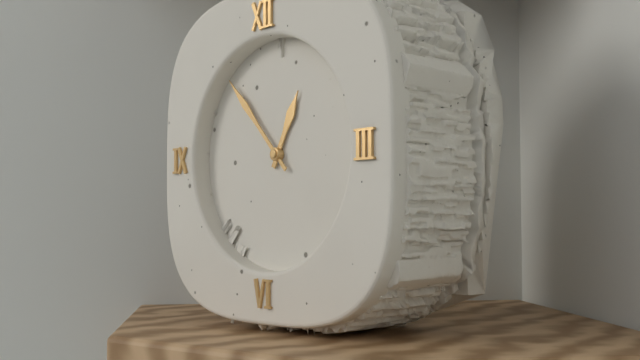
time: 12:53
